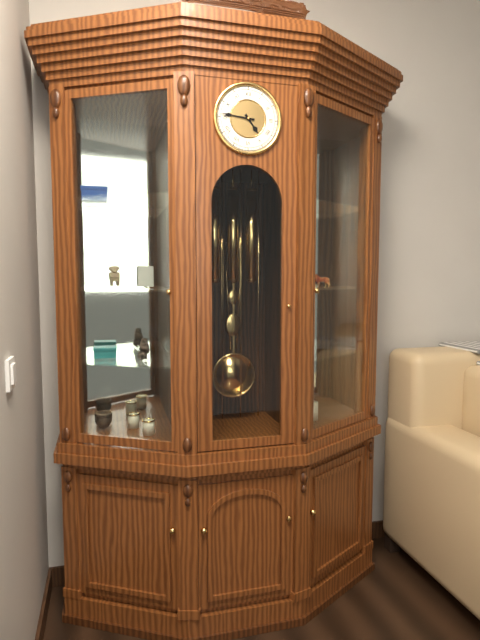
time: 4:46
